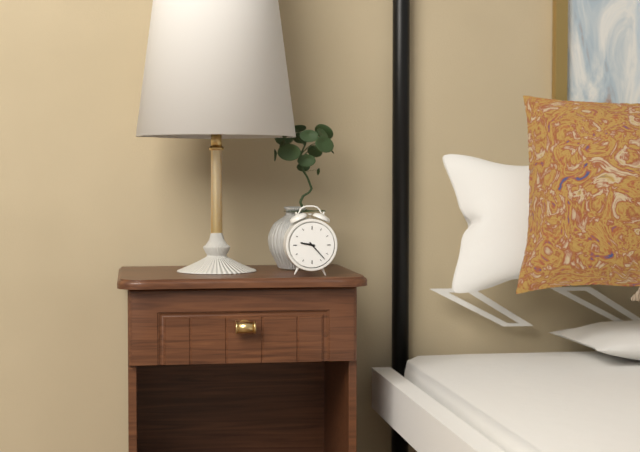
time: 9:23
